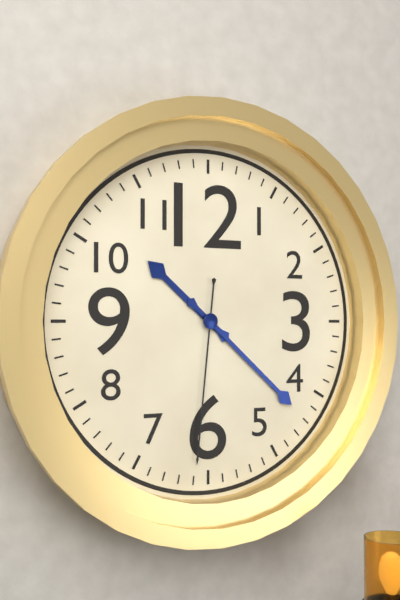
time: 10:22:31
